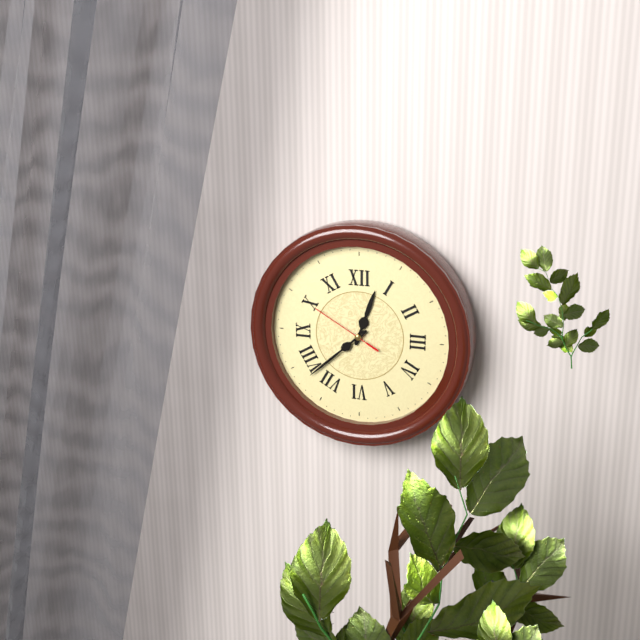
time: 12:38:50
